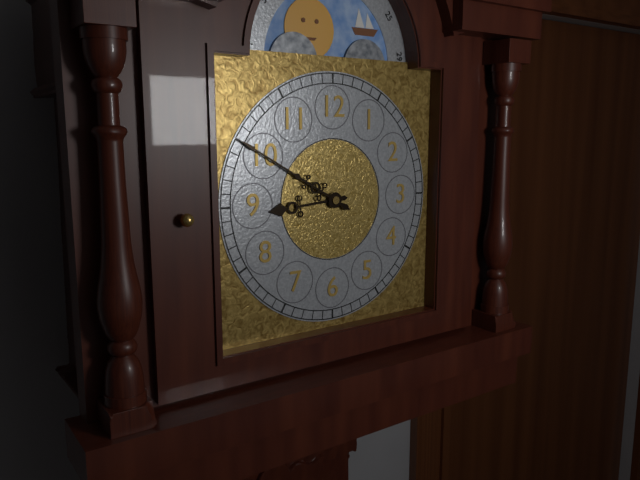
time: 8:50
